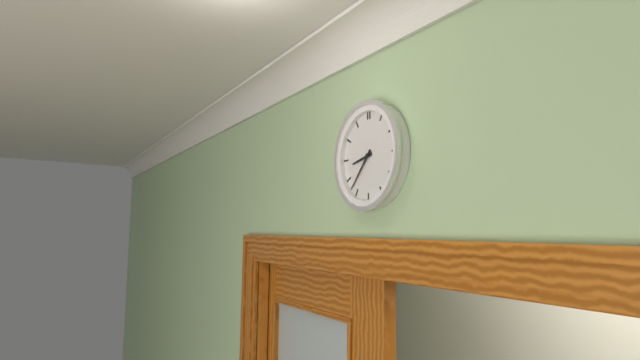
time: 8:37
